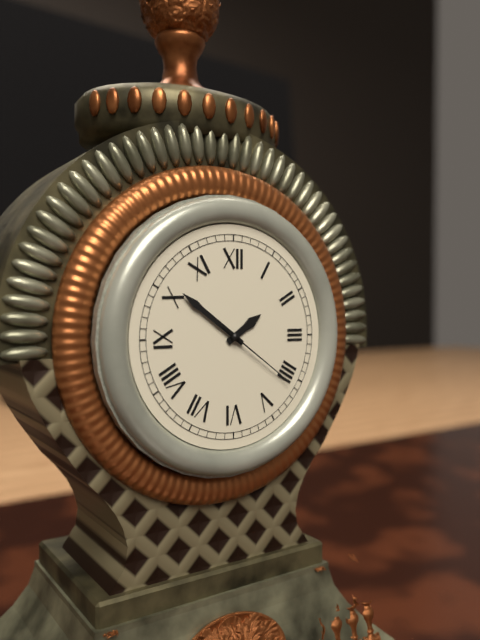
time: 1:51:21
